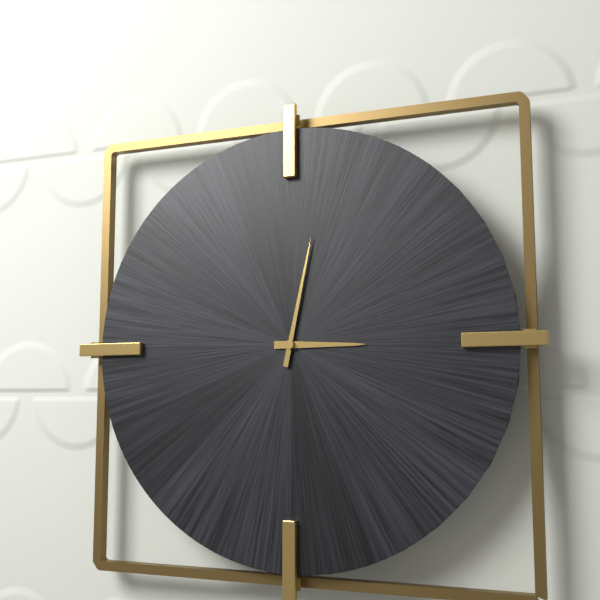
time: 3:02
